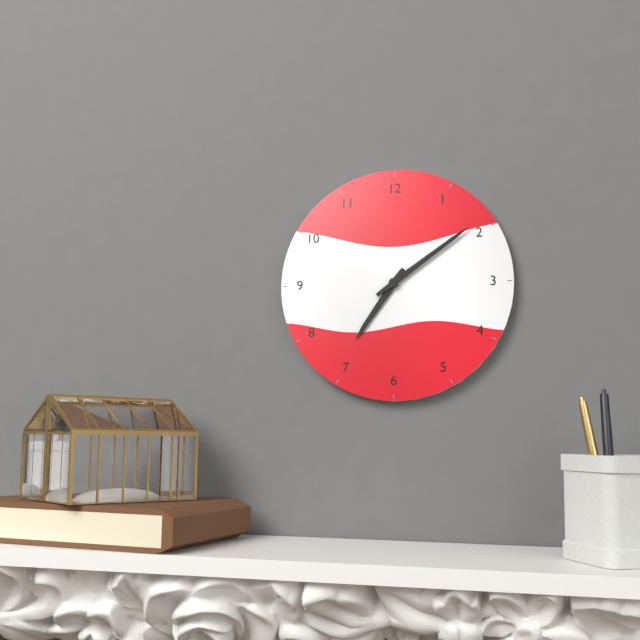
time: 7:09
